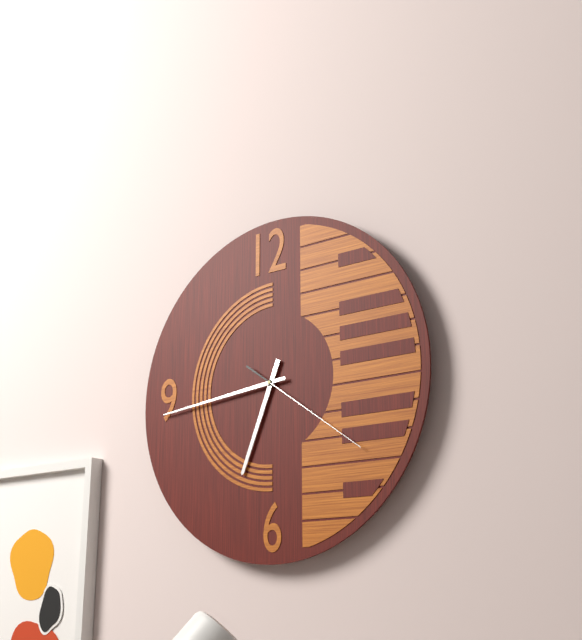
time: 6:44:21
